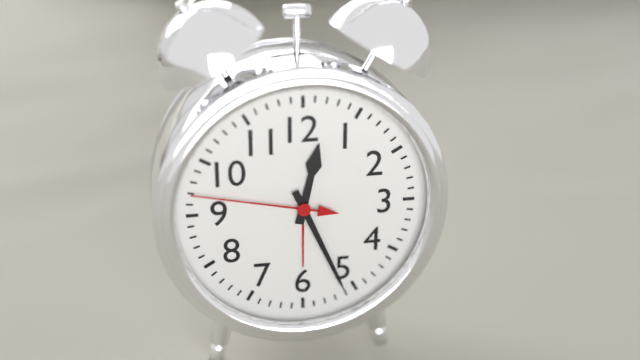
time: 12:26:47
